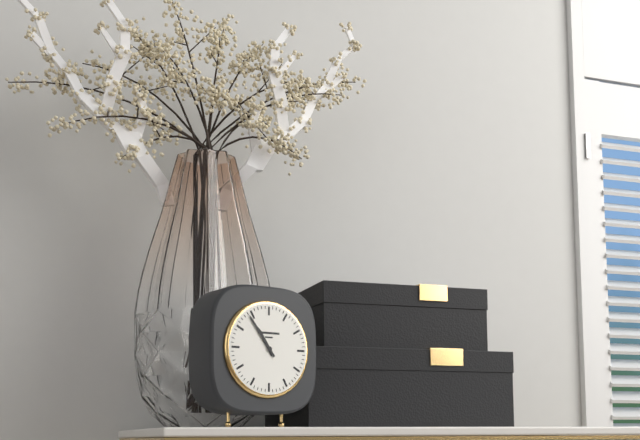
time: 10:54
